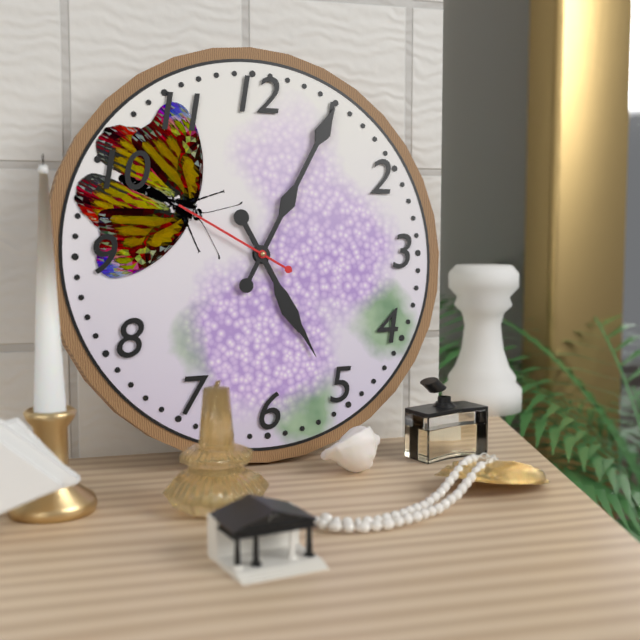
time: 5:05:50
